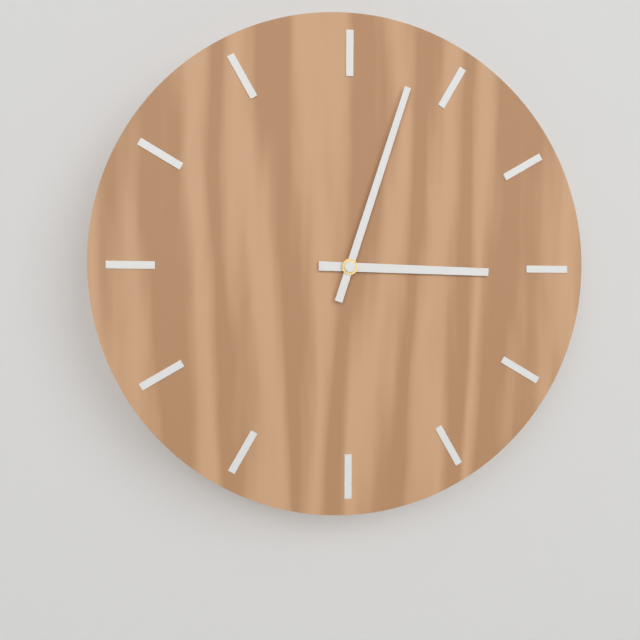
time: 3:03
